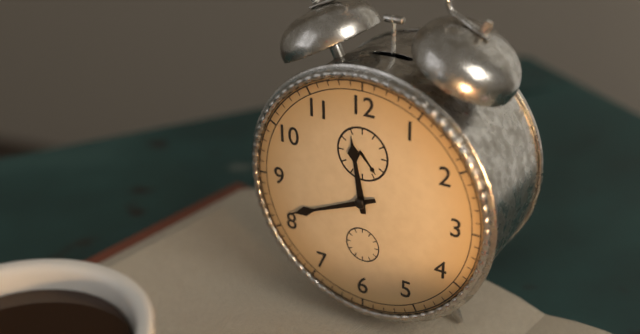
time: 11:41
